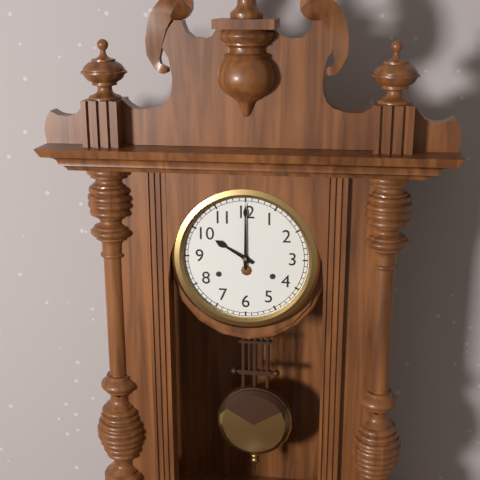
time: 10:00
